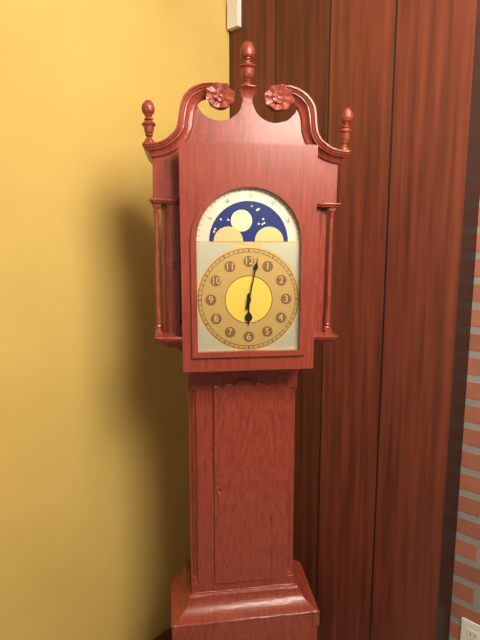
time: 6:02
